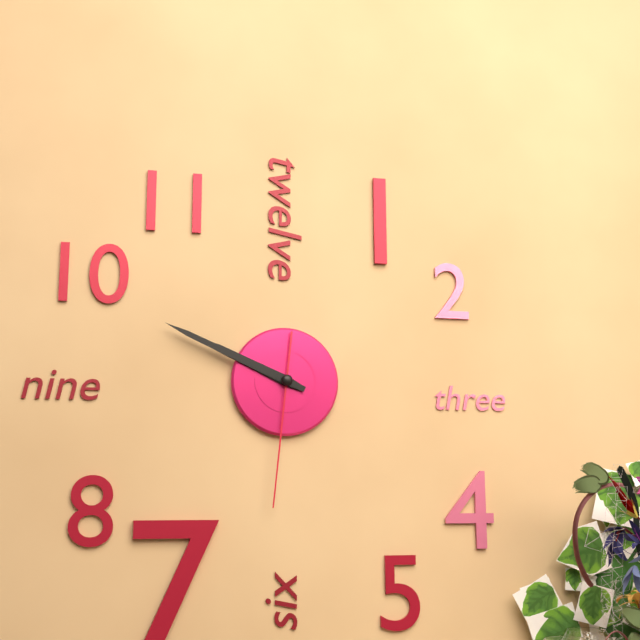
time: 9:49:31
